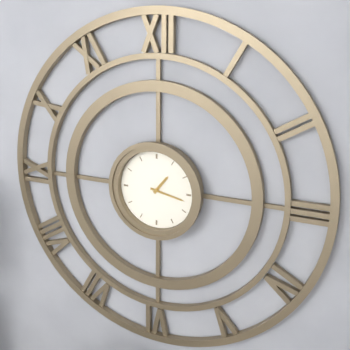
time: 1:17
